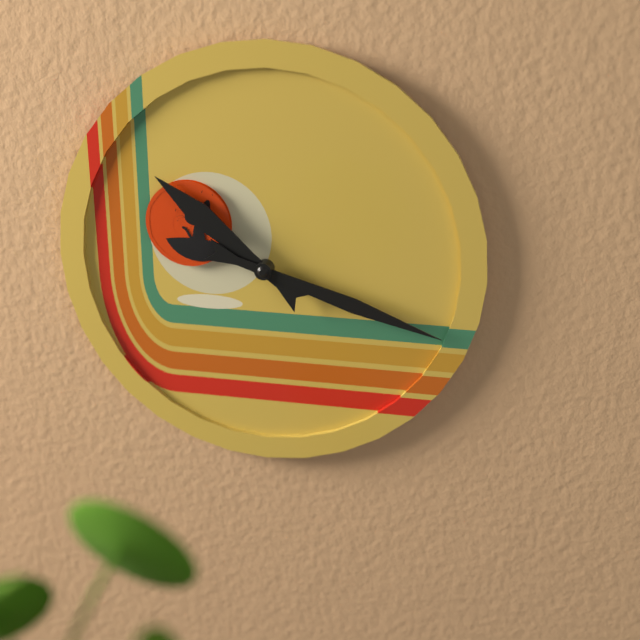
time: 10:18
